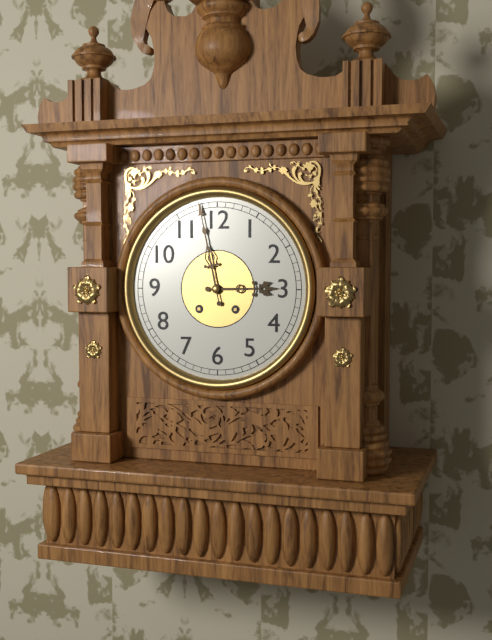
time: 2:58
